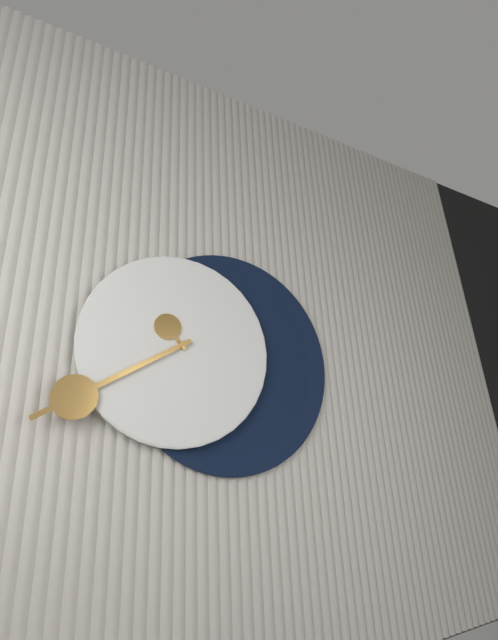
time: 10:40
